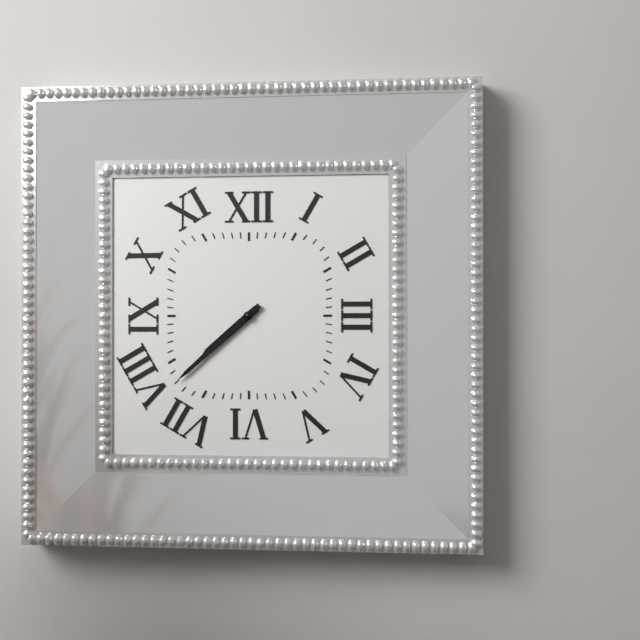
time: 7:38
